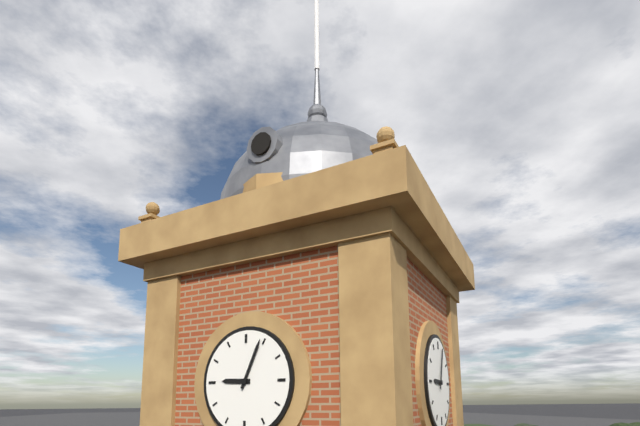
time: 9:04
